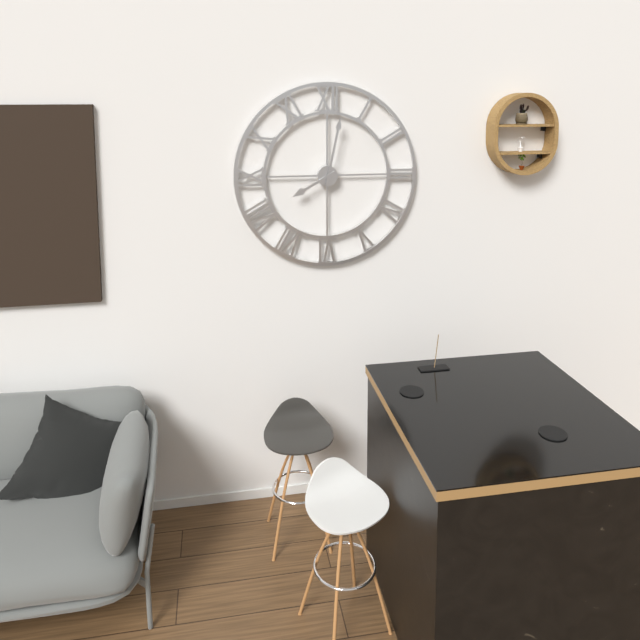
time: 8:02
